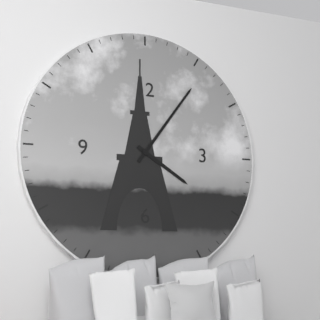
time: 4:06
